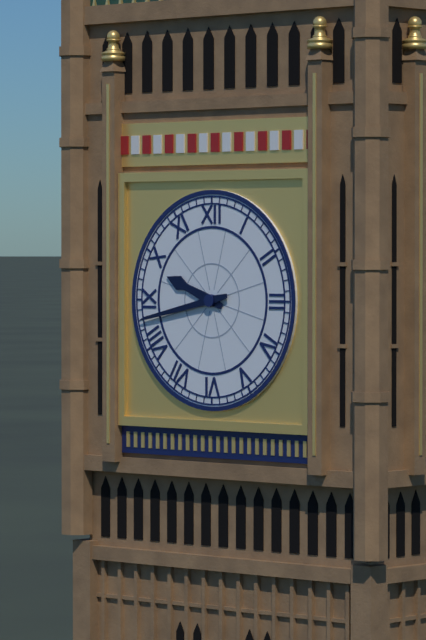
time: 9:43
